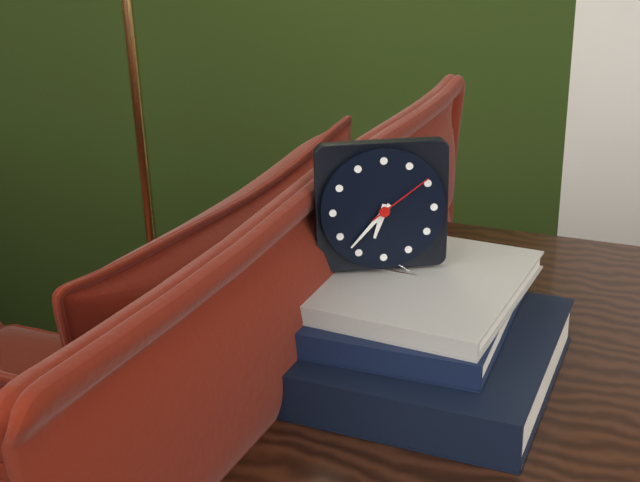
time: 6:37:09
